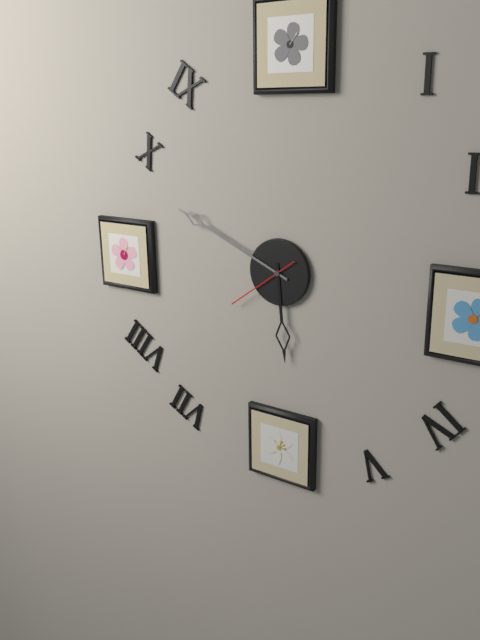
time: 5:49:39
